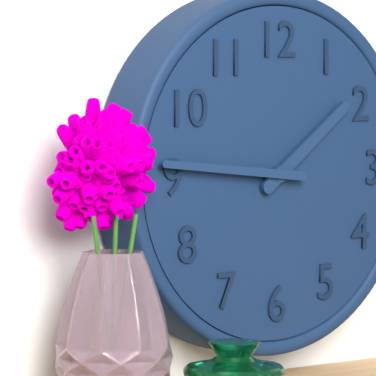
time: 1:46
